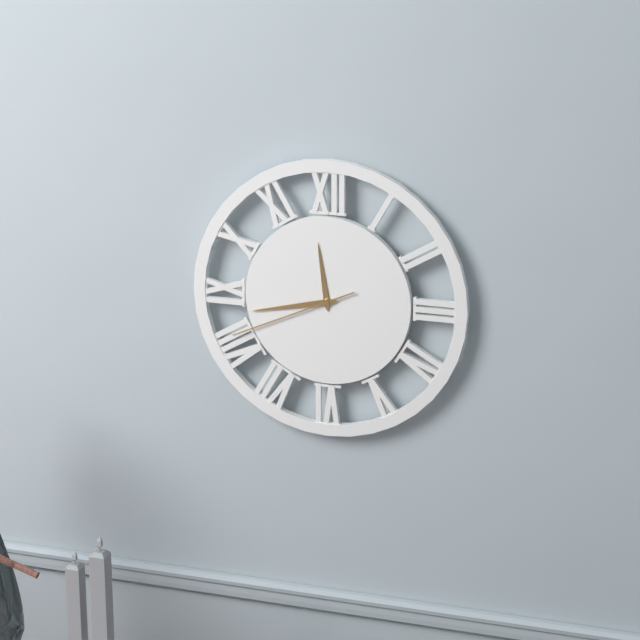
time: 11:43:41
